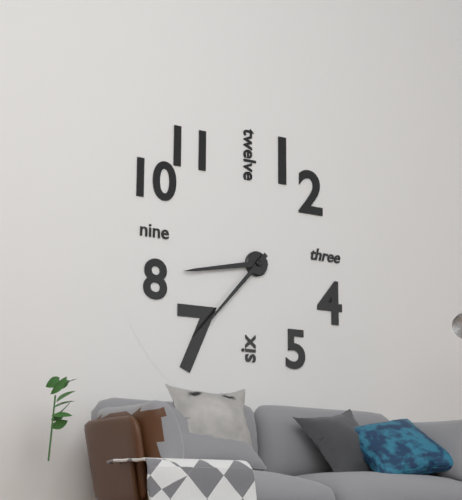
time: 8:37
